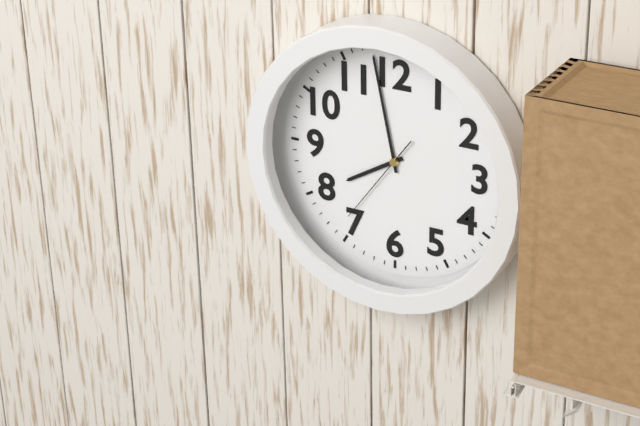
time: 7:58:36
